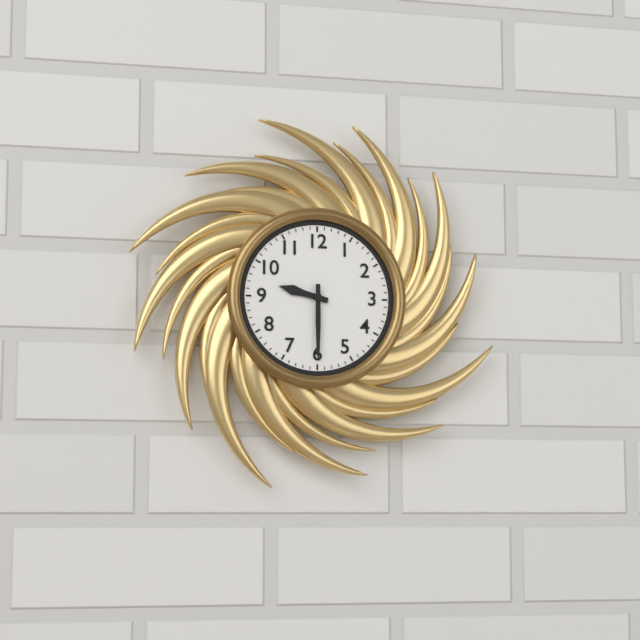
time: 9:30
